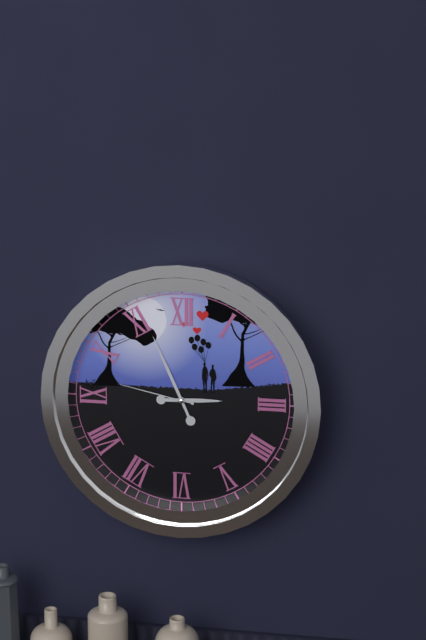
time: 2:56:47
